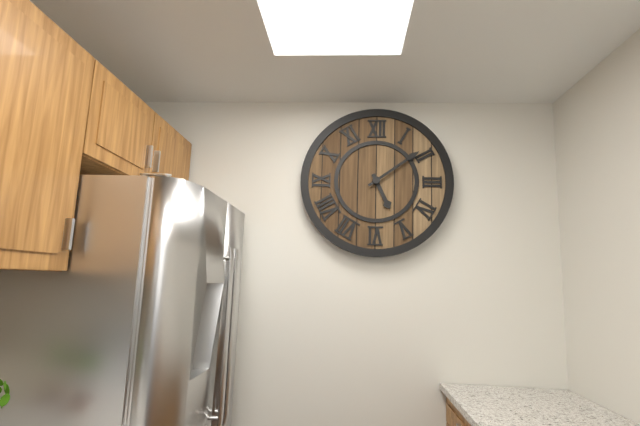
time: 5:09
